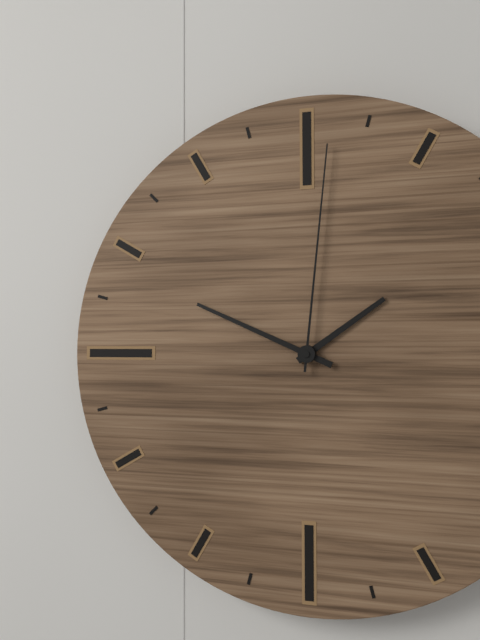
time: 1:49:01
